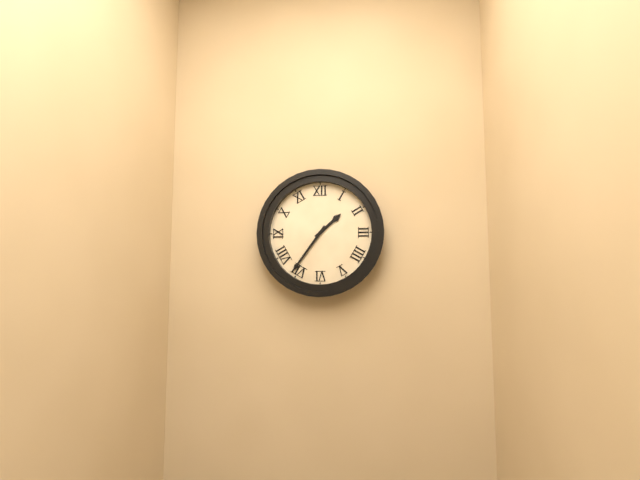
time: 1:36
